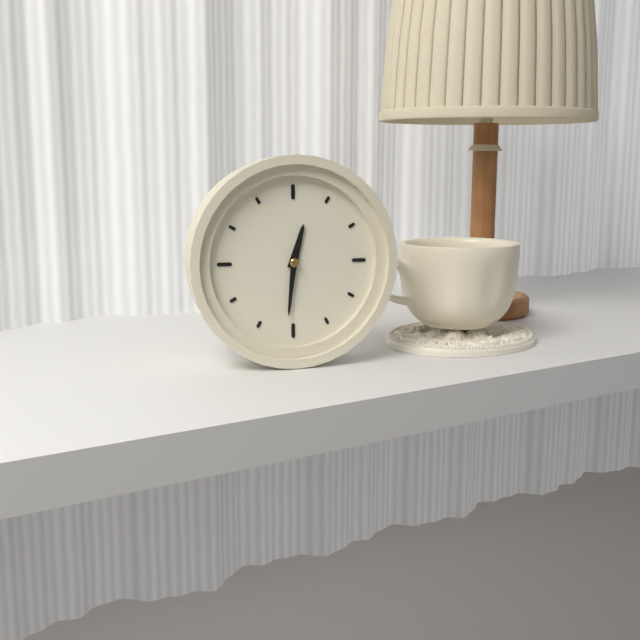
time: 12:31
